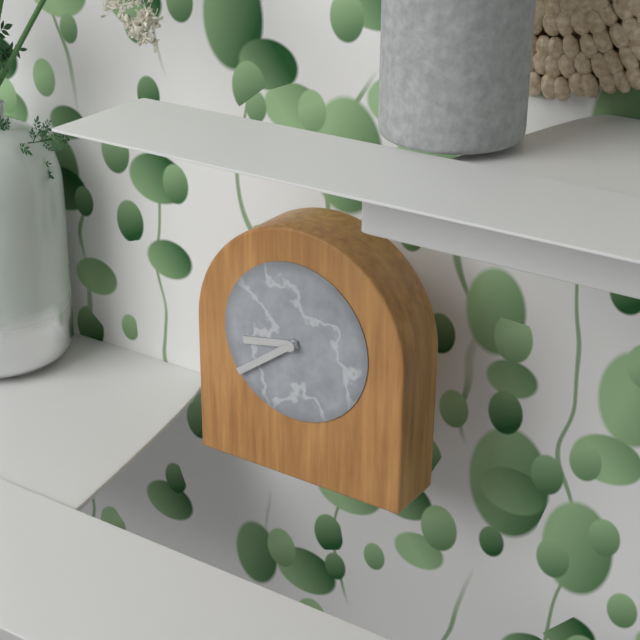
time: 8:39
